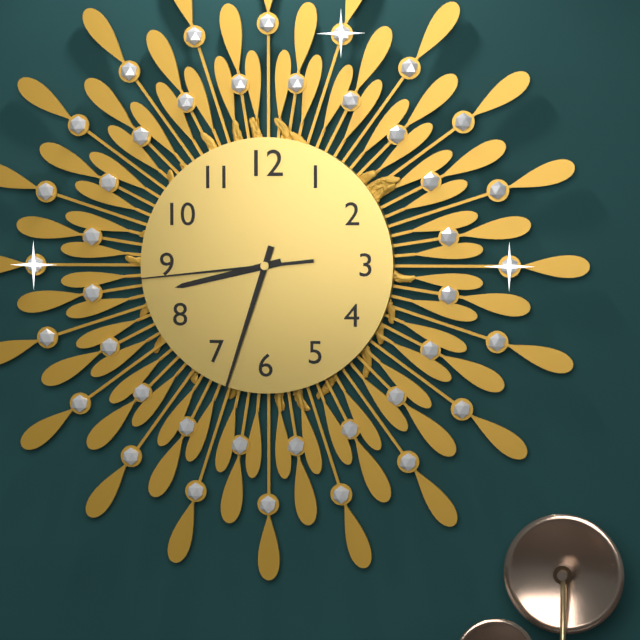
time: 8:33:44
